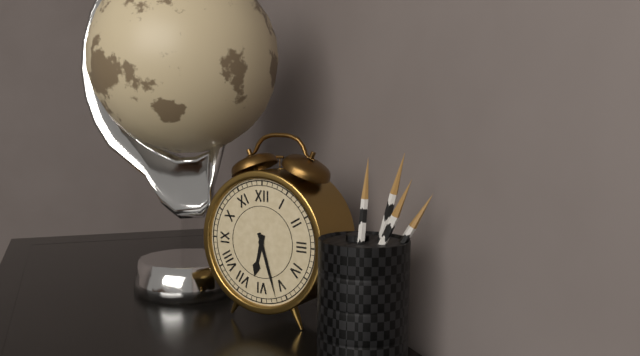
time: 6:27
